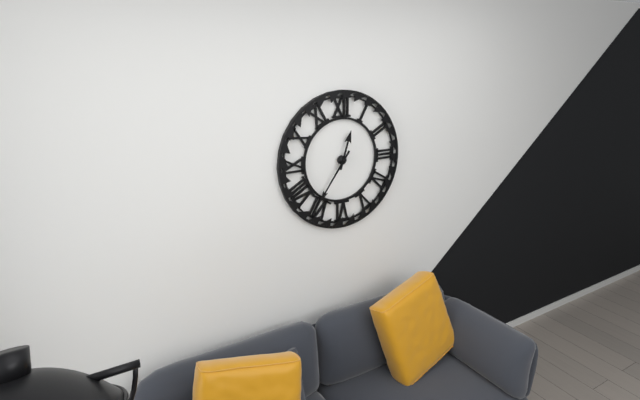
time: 12:36
